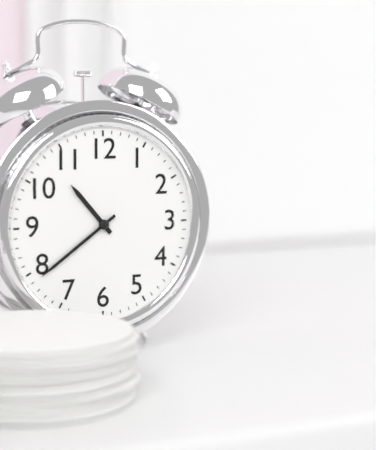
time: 10:39
